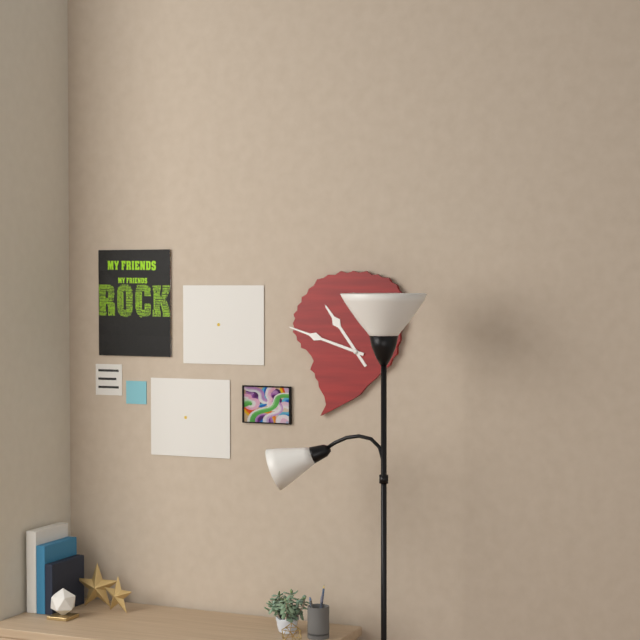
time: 10:48
